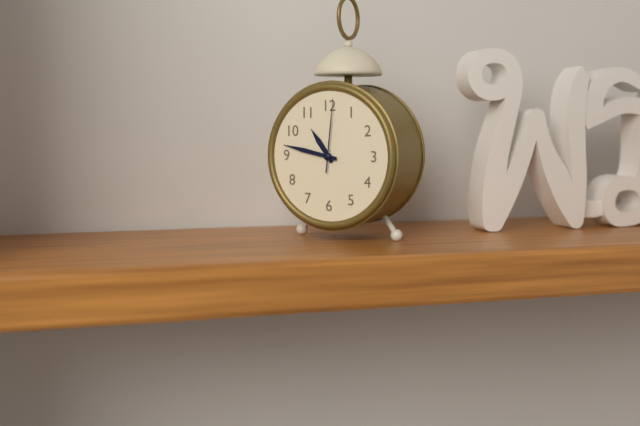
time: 10:47:01
